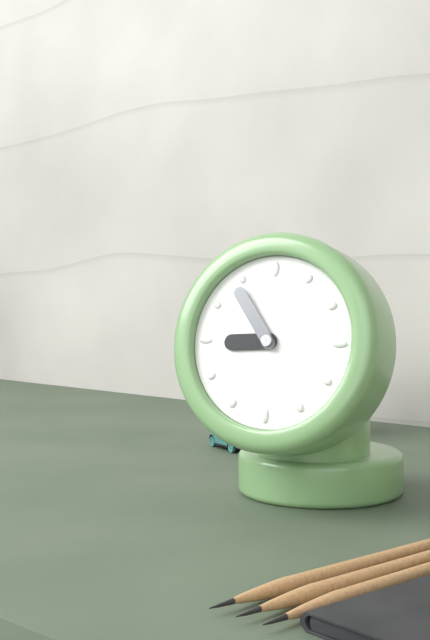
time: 8:54
